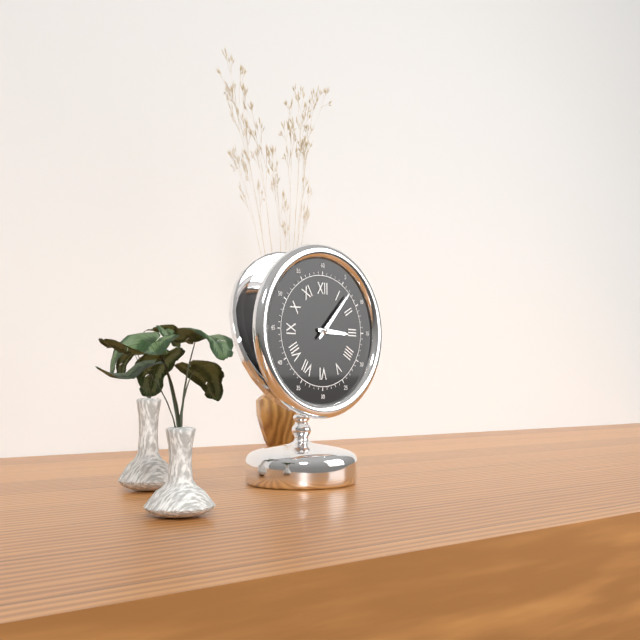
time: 3:07
